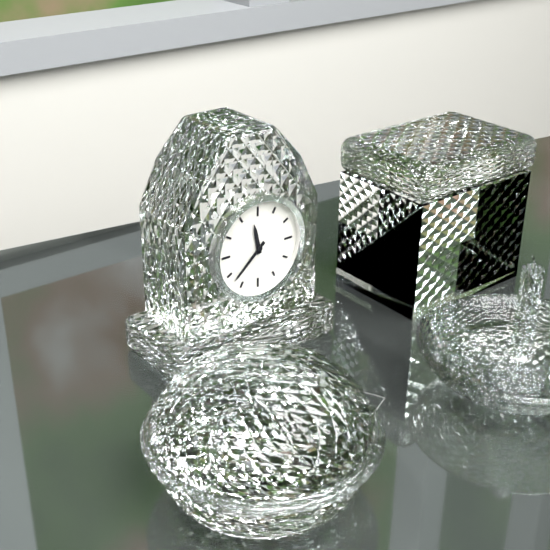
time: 11:38
